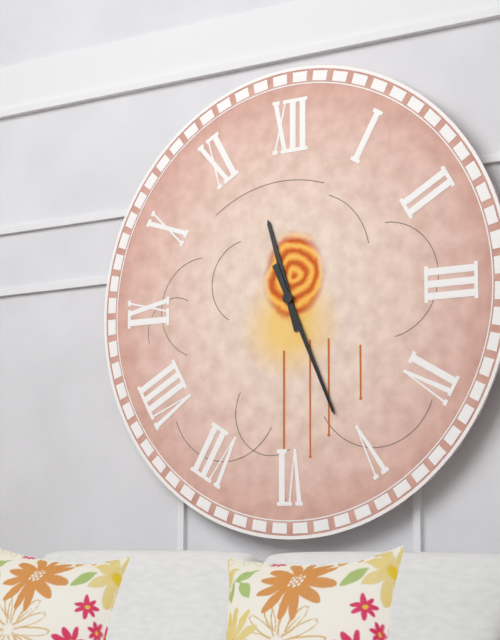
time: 11:26
